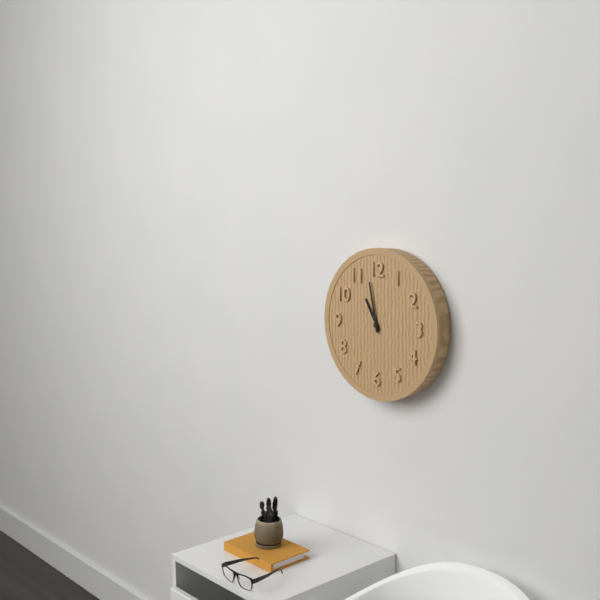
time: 10:58
